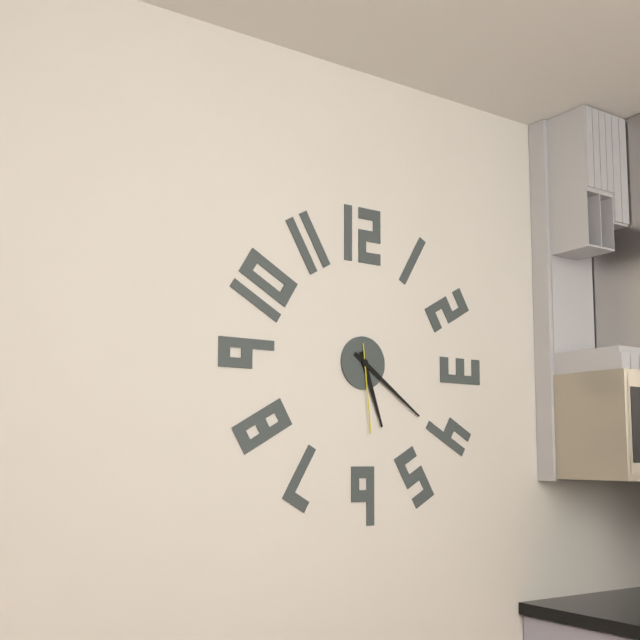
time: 5:21:29
